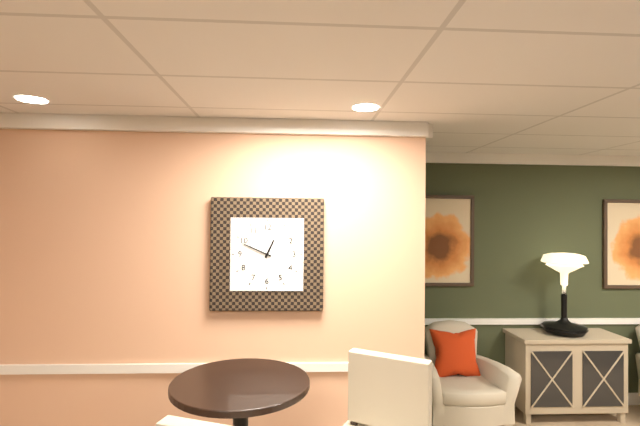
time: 12:49
